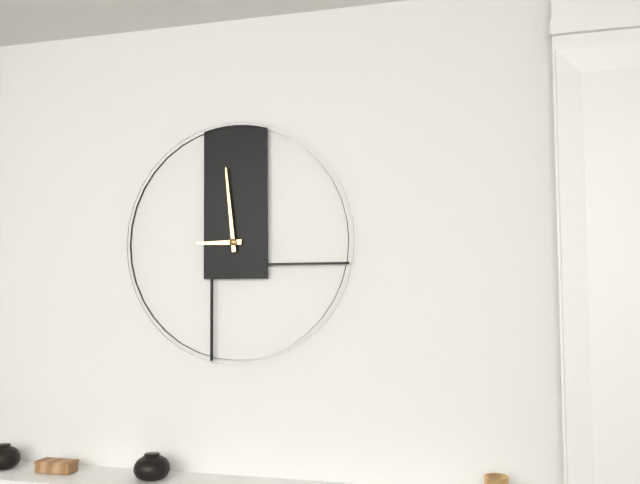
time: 8:59
